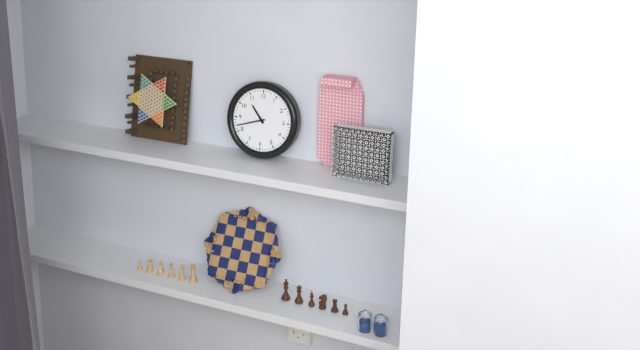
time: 10:42
